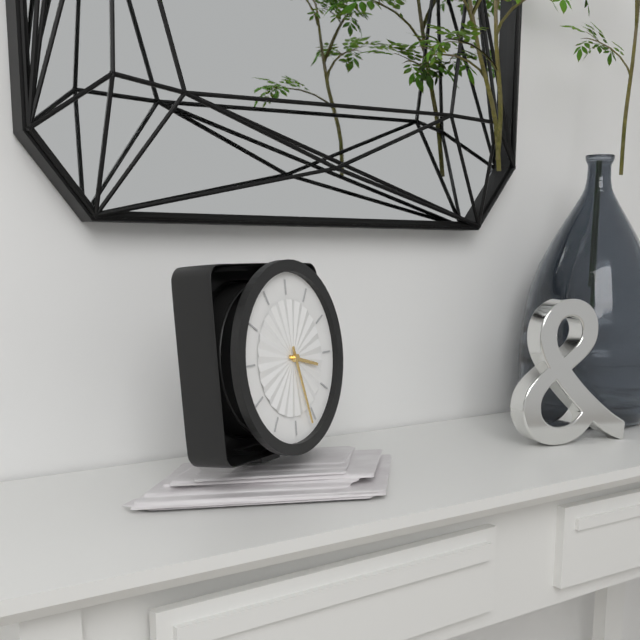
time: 3:27
